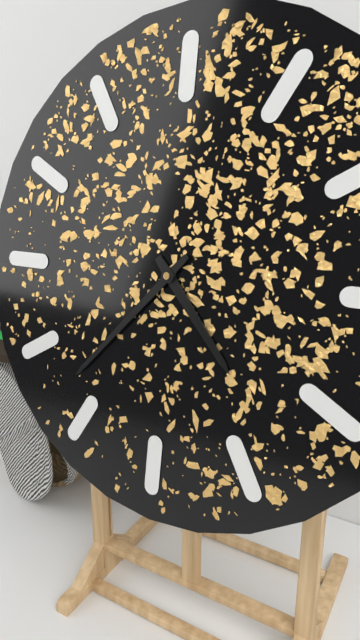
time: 4:37
